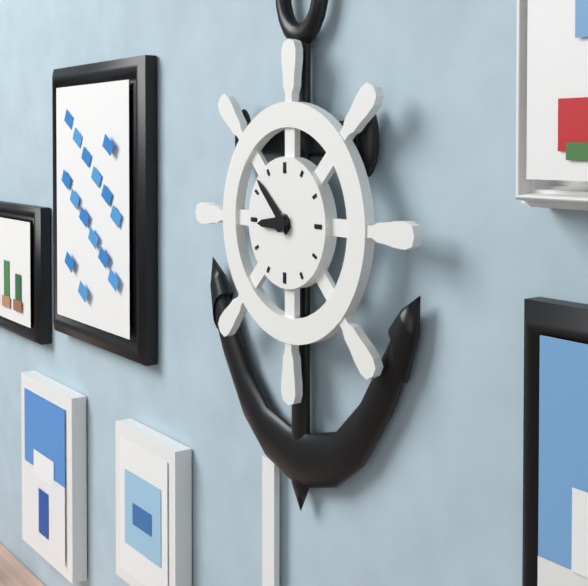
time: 8:52
